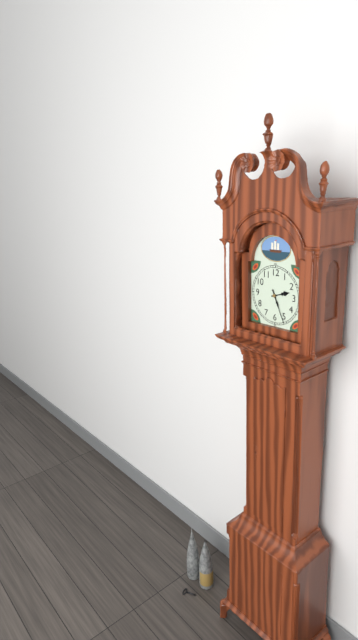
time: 2:26
